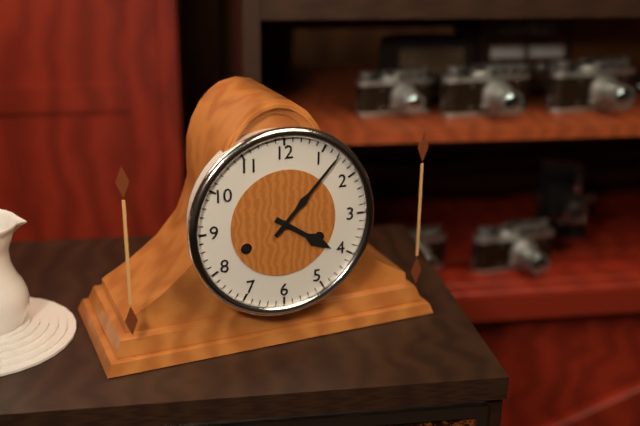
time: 4:07
